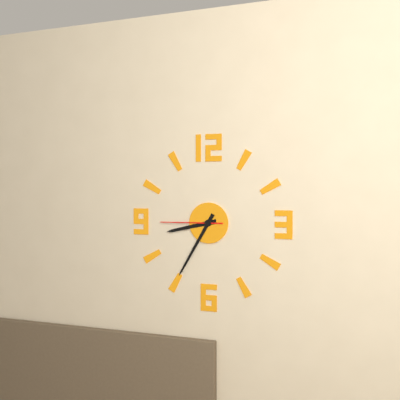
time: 8:35:45
